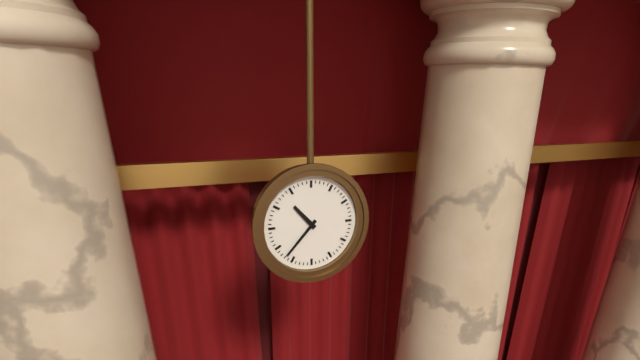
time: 10:37
